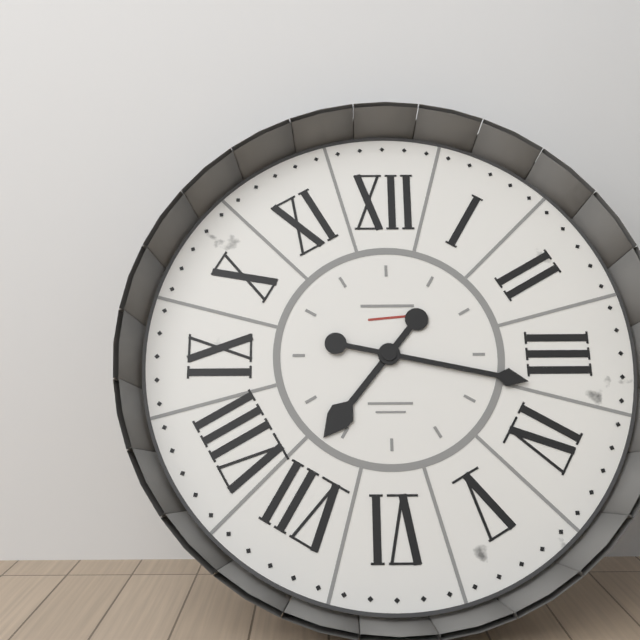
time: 7:17
